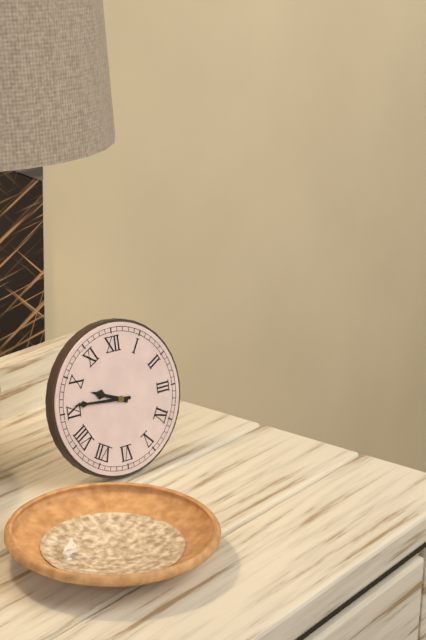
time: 9:46
